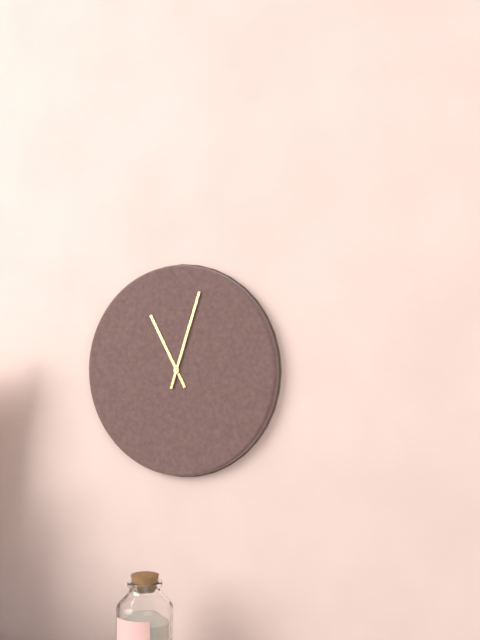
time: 11:03
